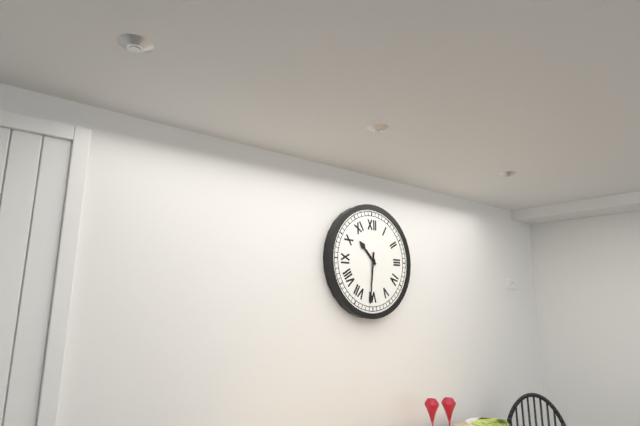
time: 10:31
